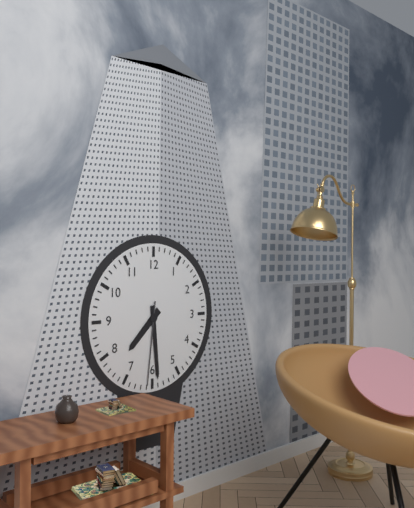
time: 7:29:31
